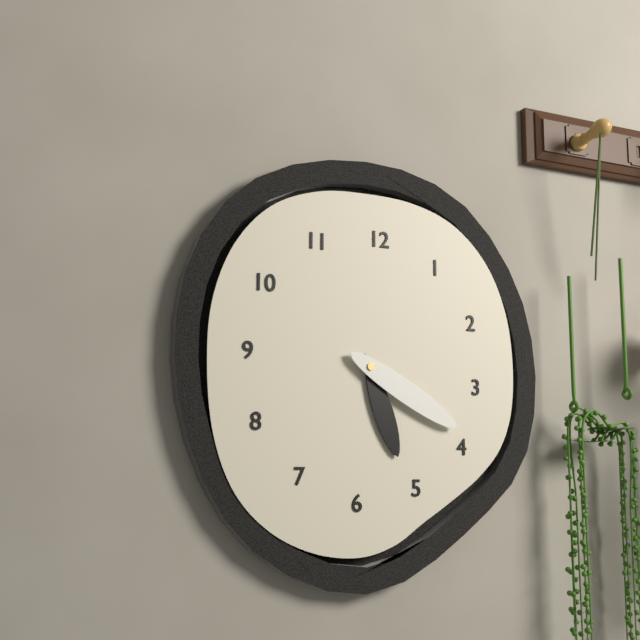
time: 5:20
